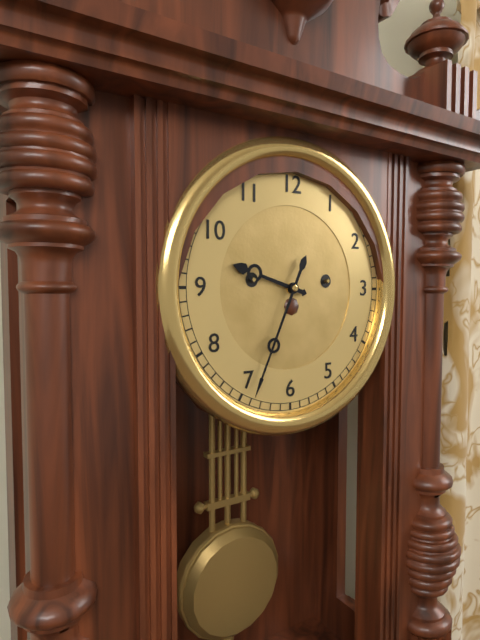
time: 9:34
